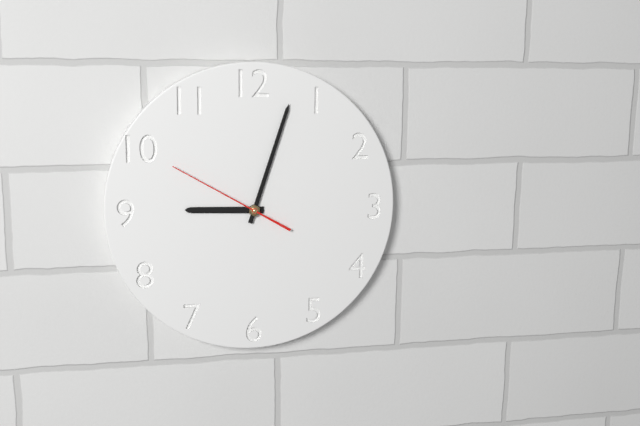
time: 9:03:50
